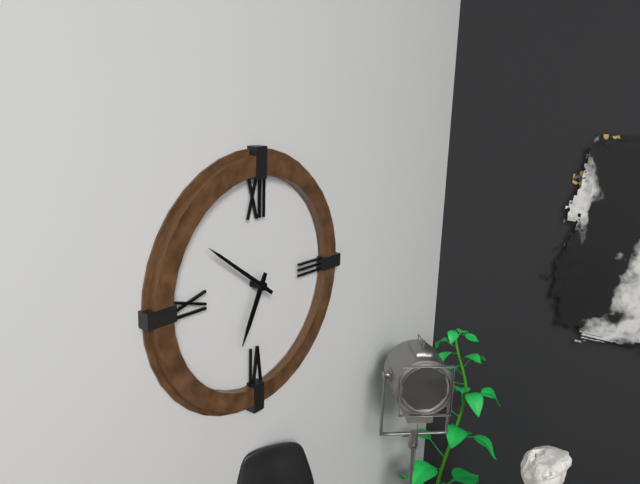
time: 6:51
